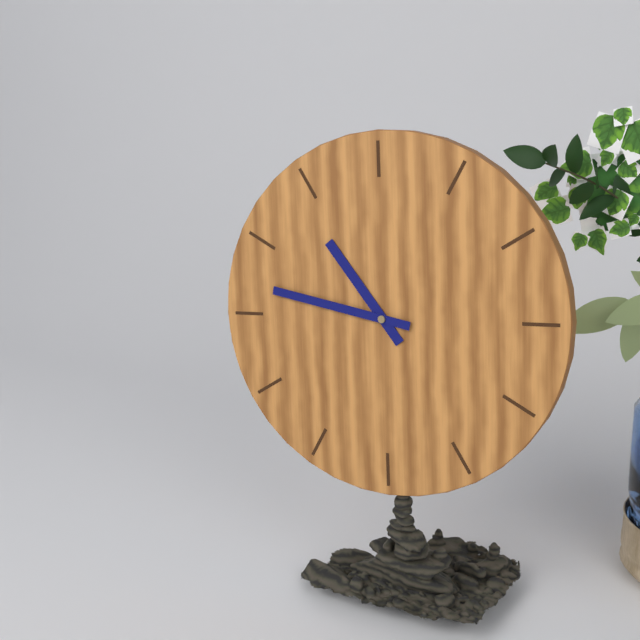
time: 10:47
